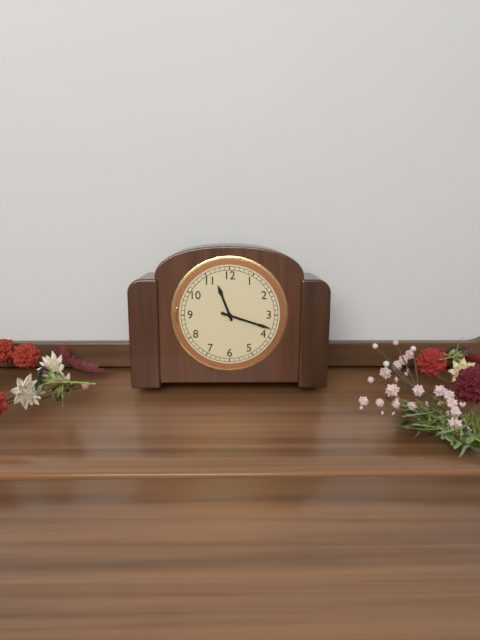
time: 11:18
